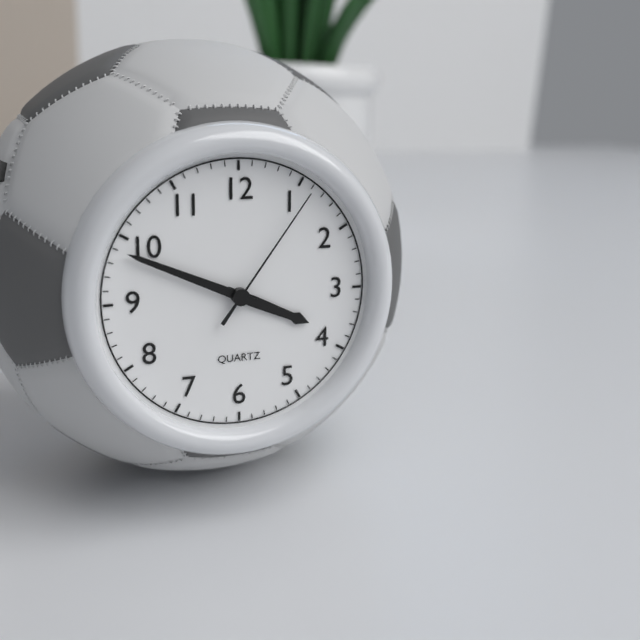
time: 3:49:06
